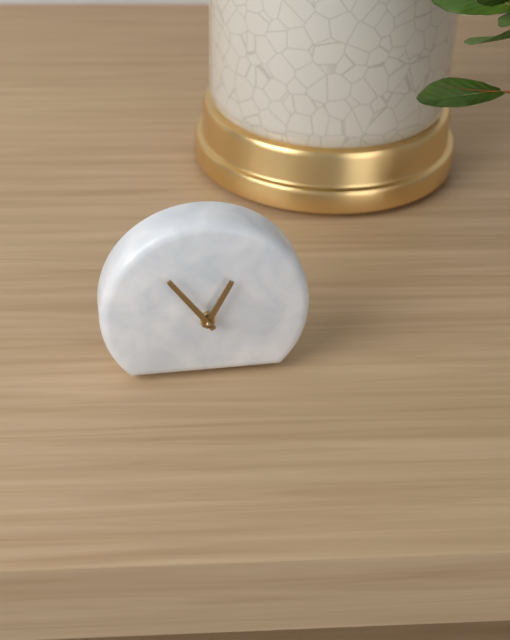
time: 12:54
